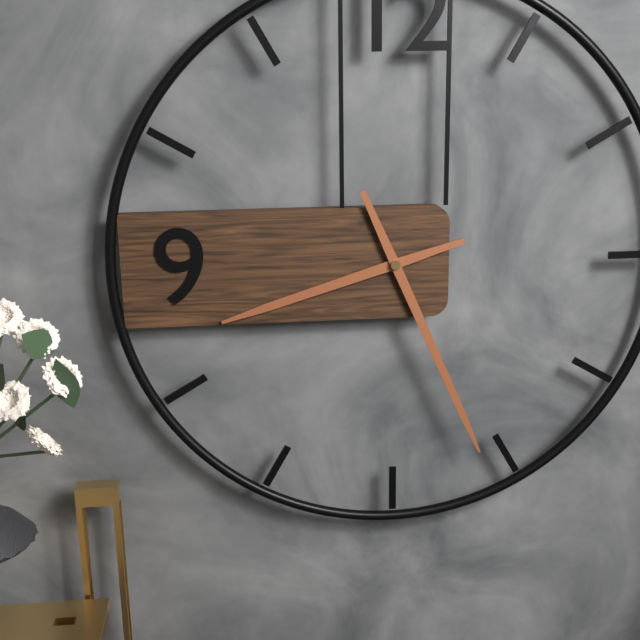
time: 8:26
